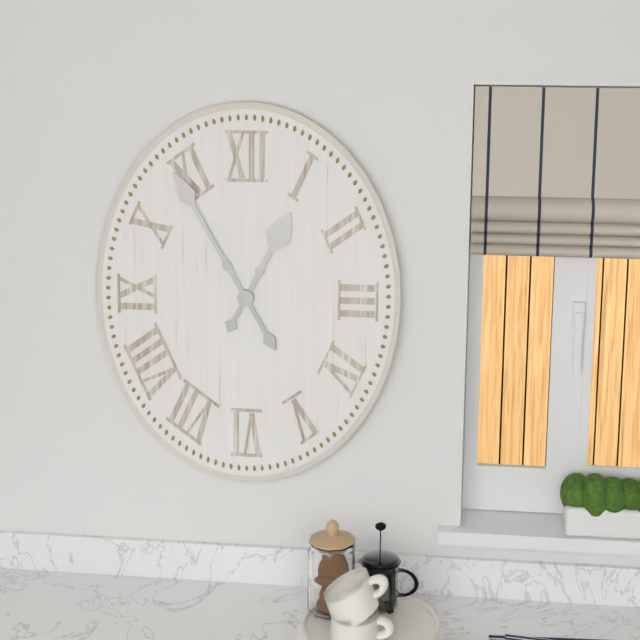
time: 12:55
